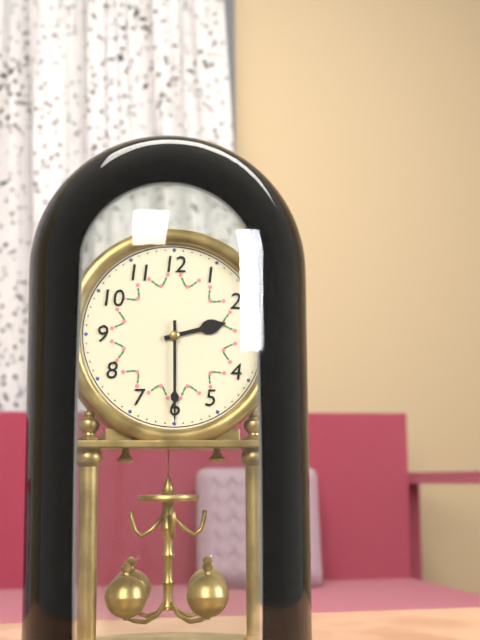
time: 2:30
